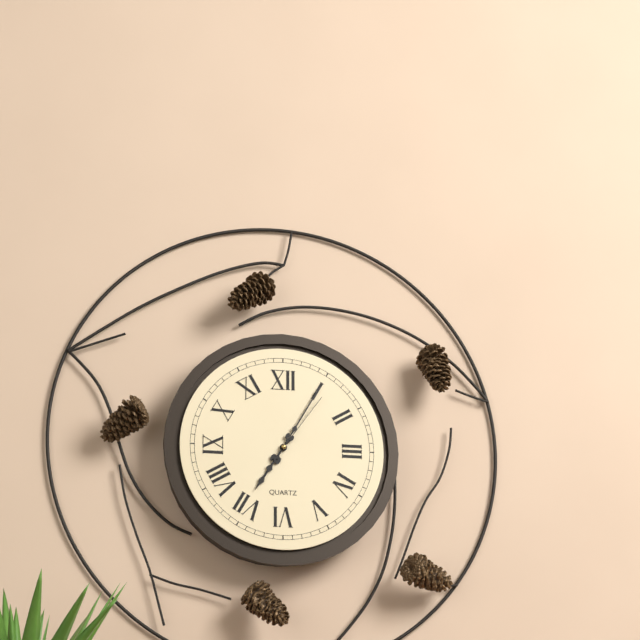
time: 7:05:06
